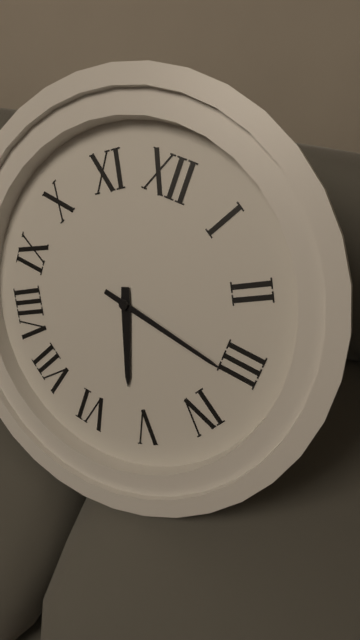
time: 5:16
